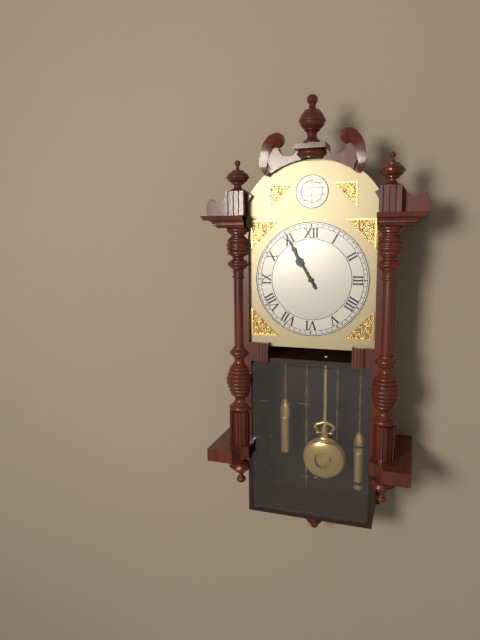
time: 10:55
